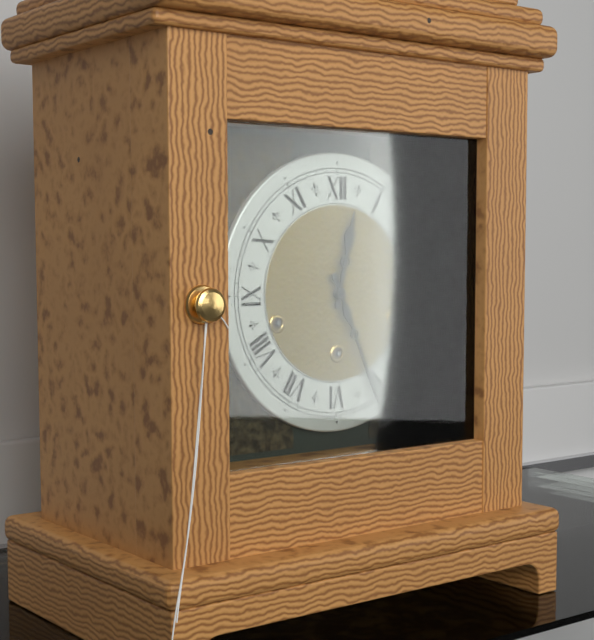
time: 12:26
